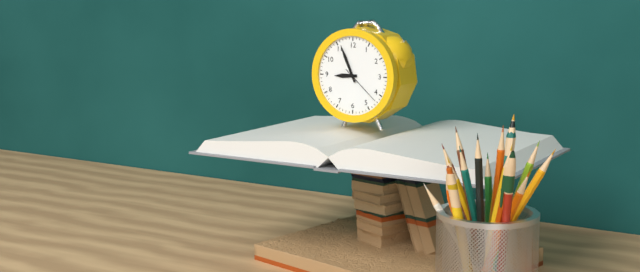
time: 8:56
